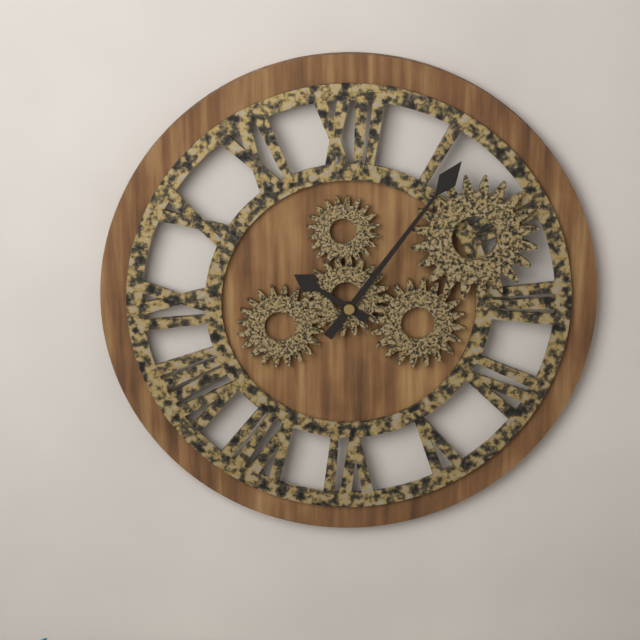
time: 10:06
